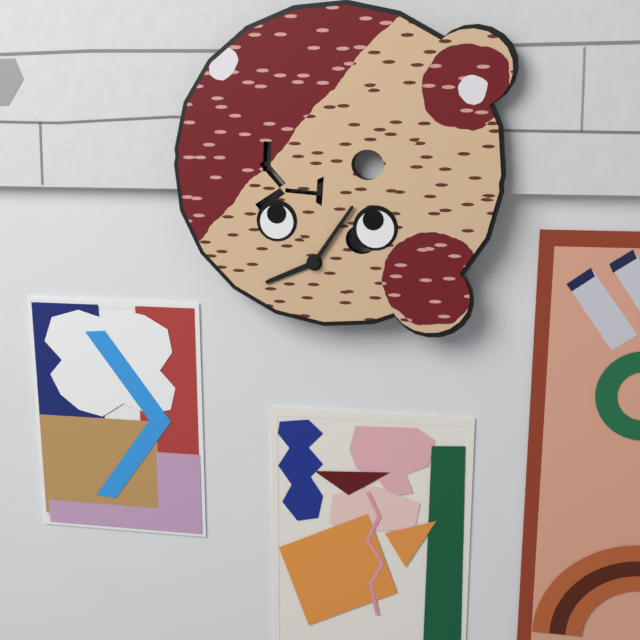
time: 8:05
